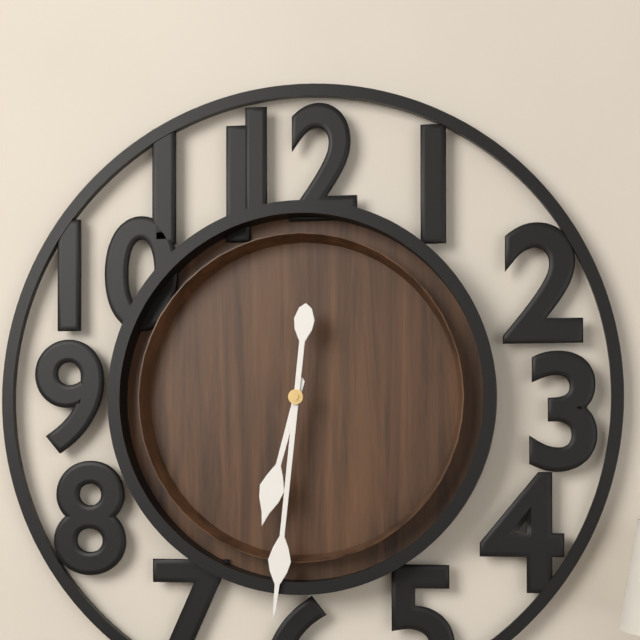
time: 6:31
